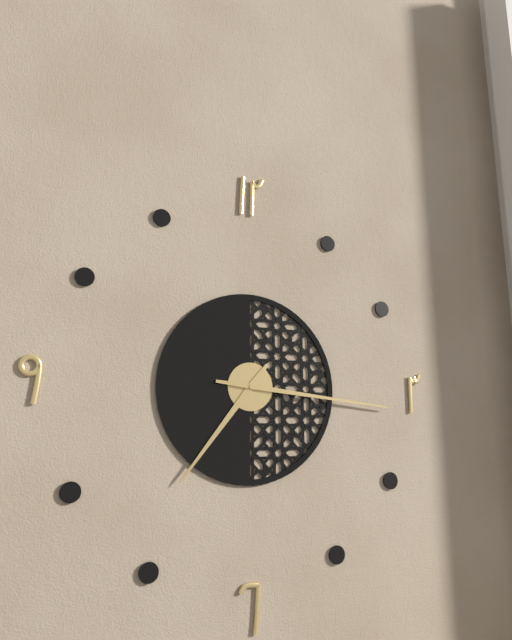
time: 7:16
